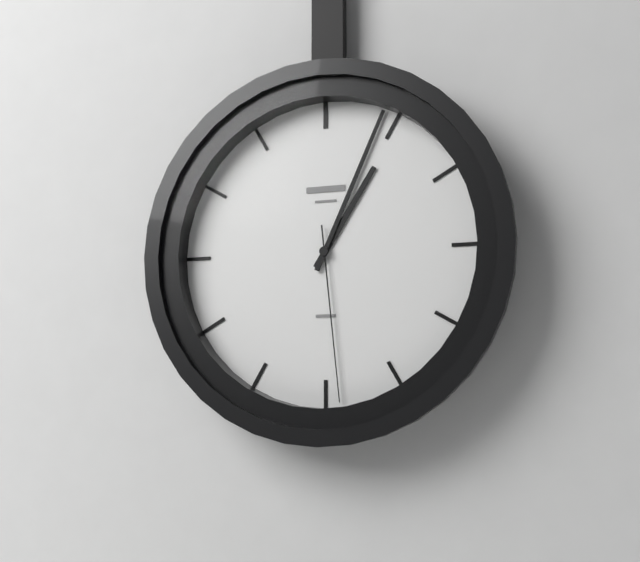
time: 1:04:29
